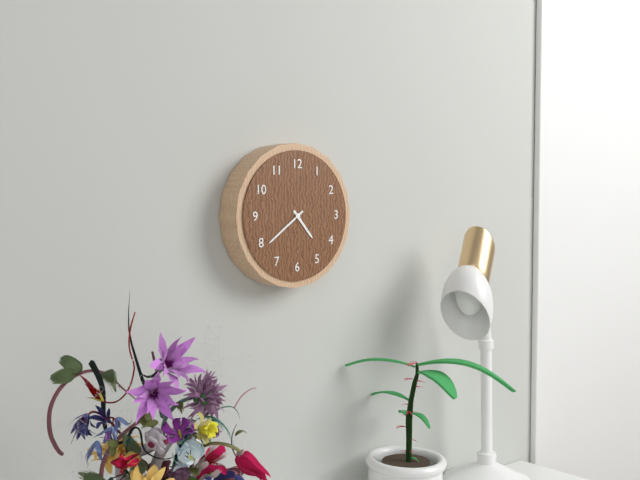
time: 4:39
